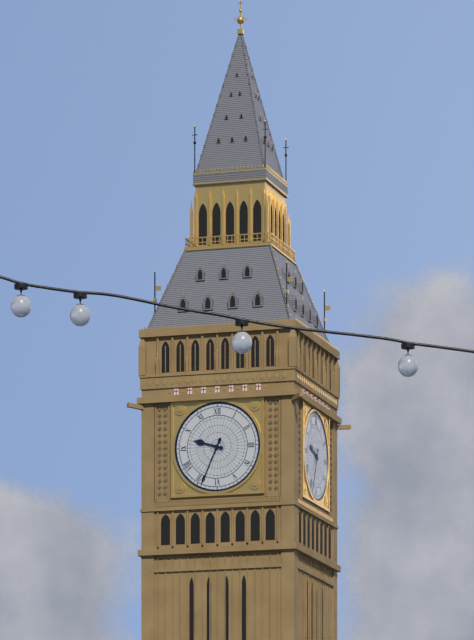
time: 9:34
